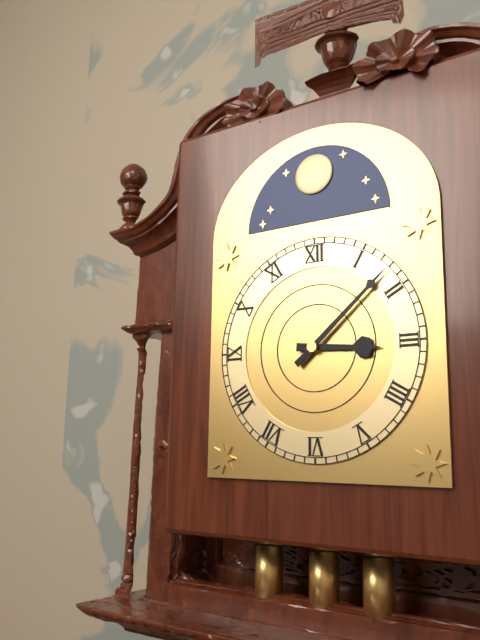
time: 3:08
